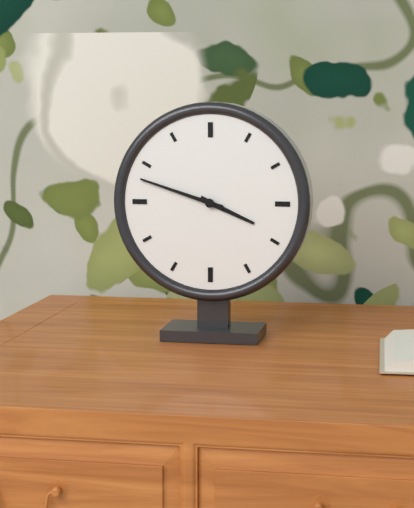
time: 3:48
